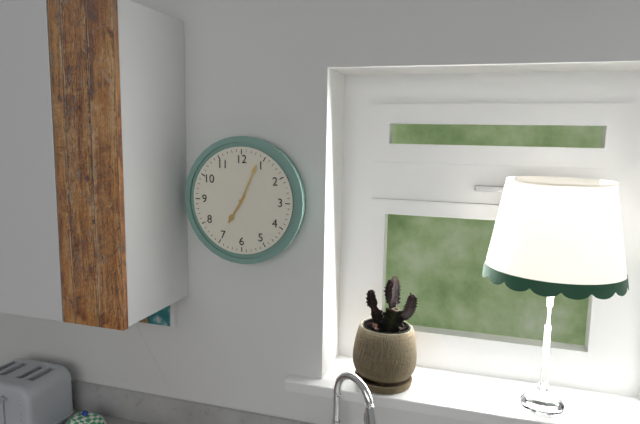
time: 7:04
